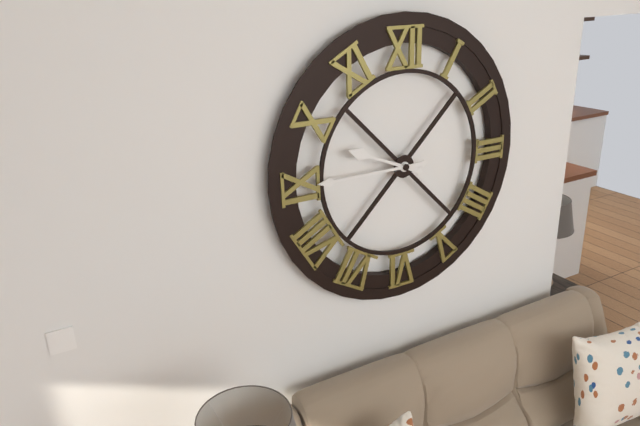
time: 9:45
